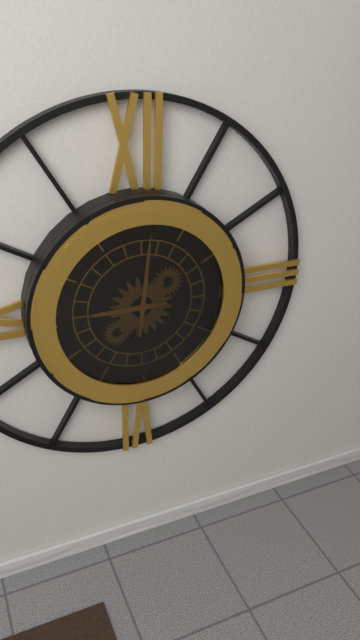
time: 9:01
